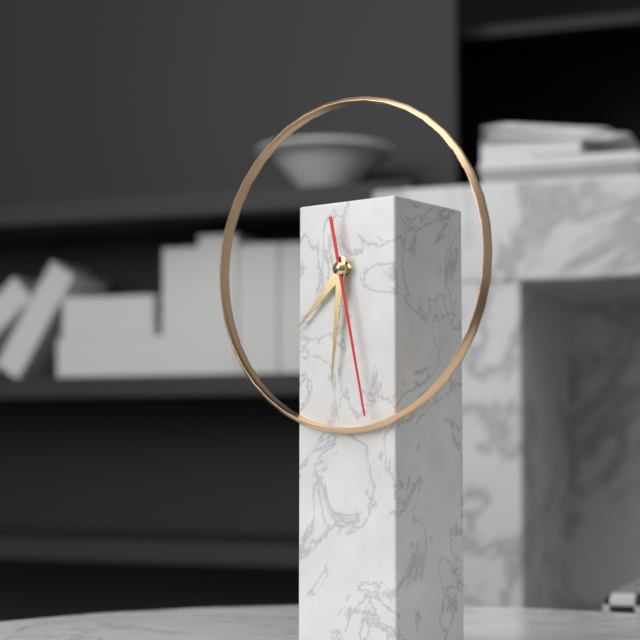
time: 7:31:28
